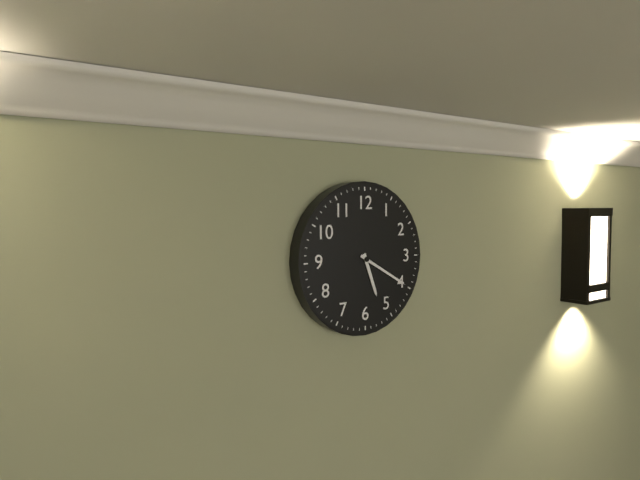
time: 5:20
